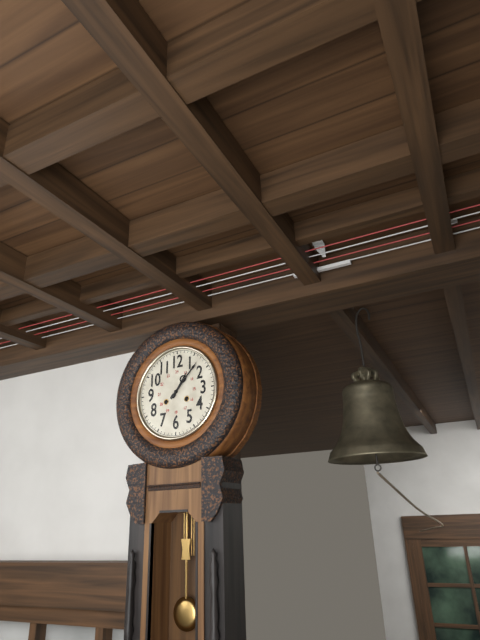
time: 1:07
